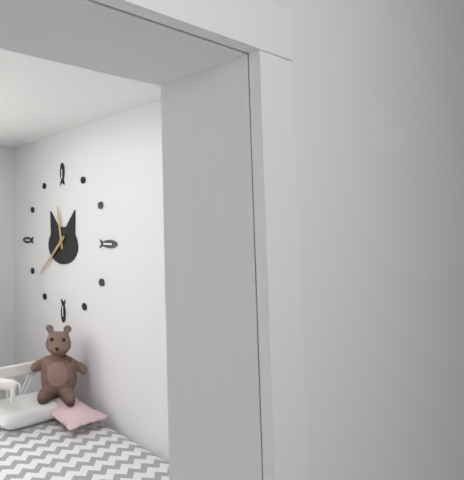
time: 11:38
